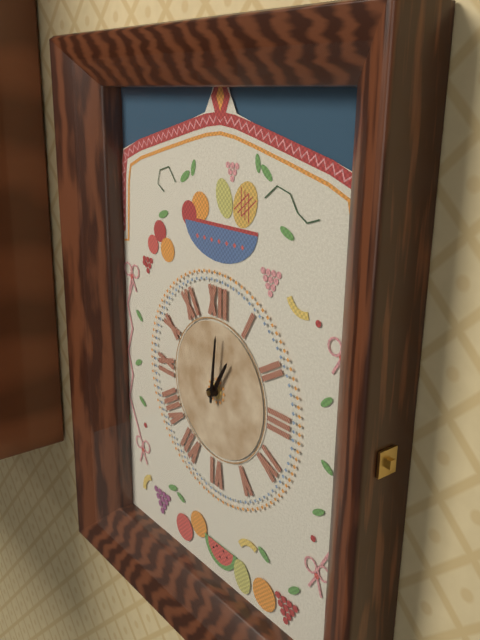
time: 1:01
